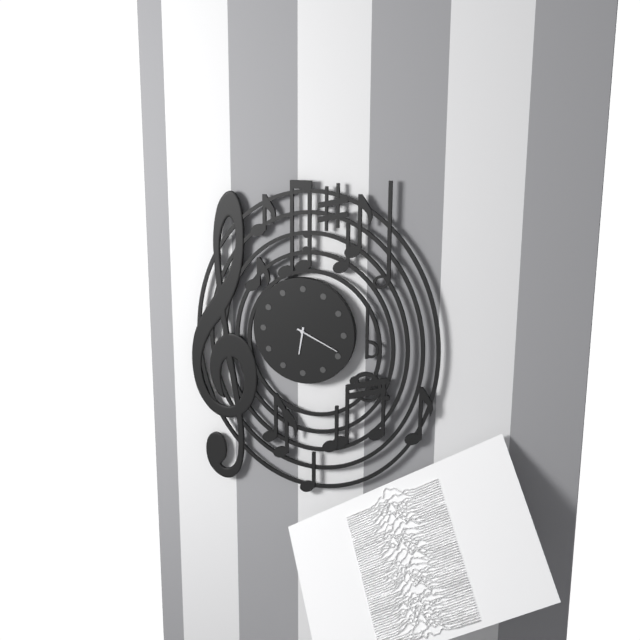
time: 6:19
